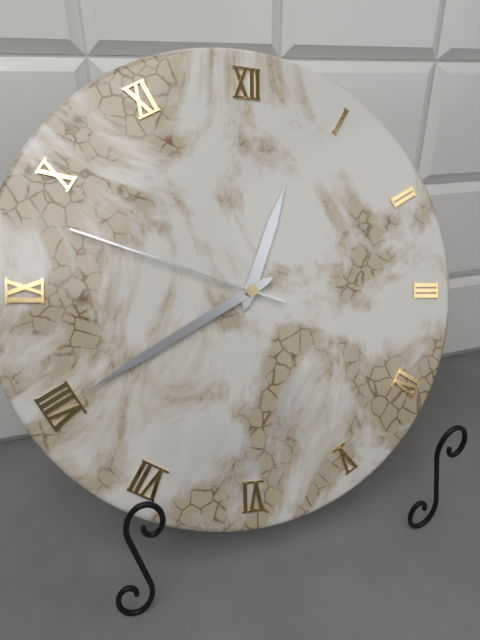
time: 12:40:48
